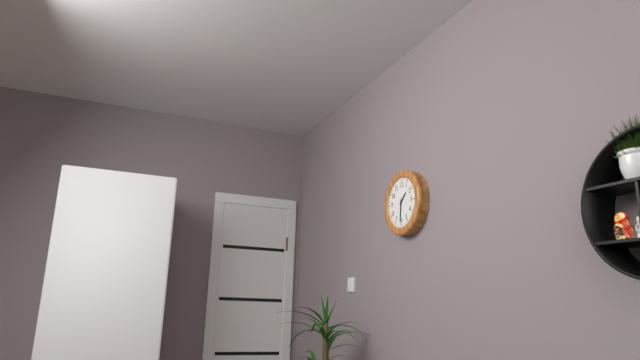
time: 1:31
